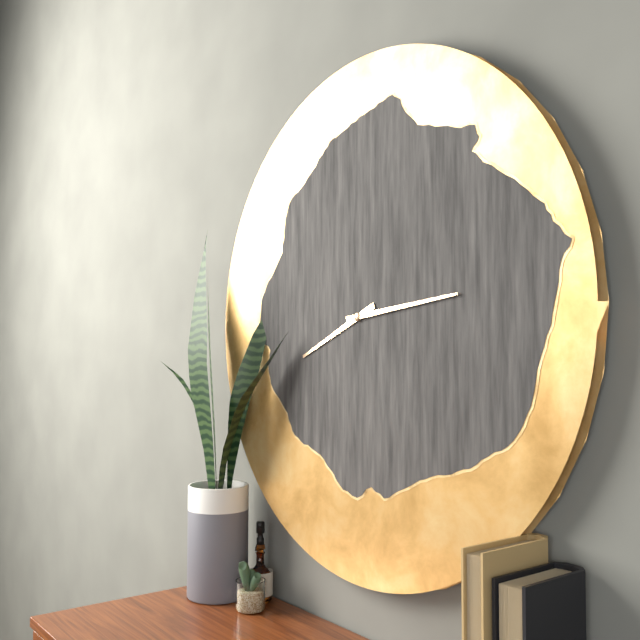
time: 8:14
